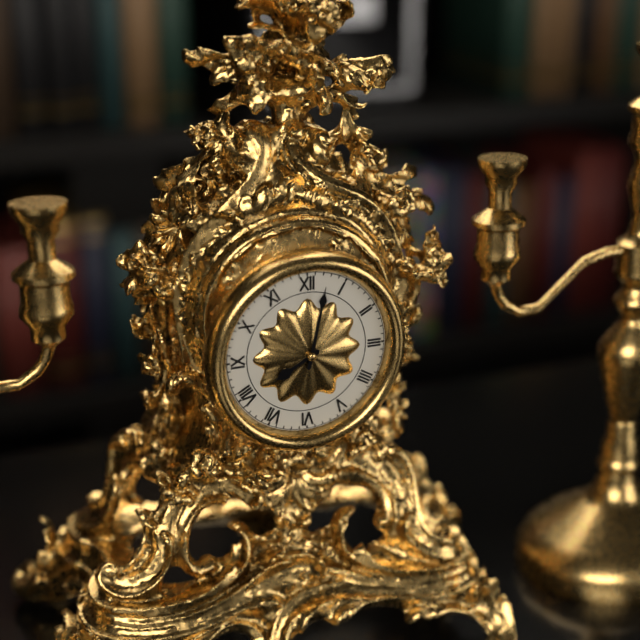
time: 8:02
